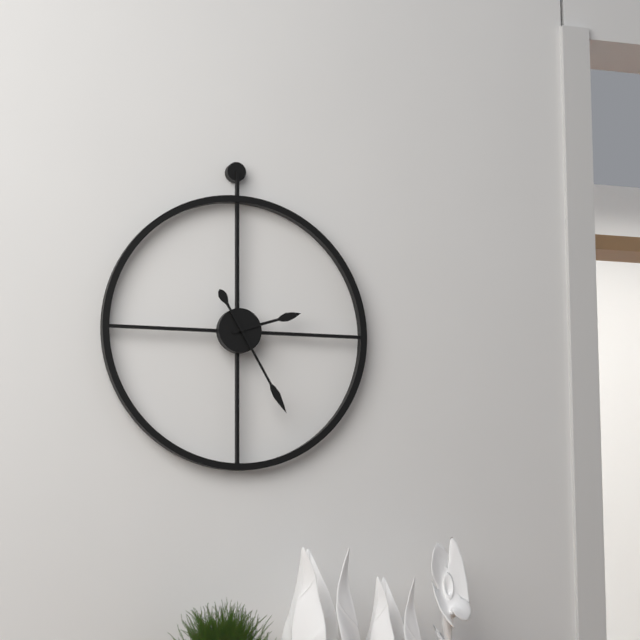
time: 2:25
